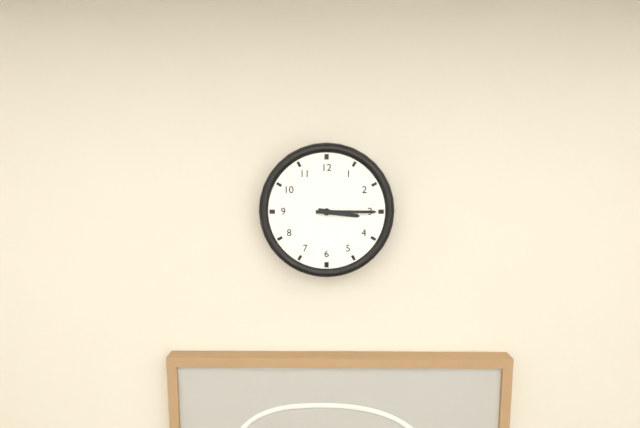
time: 3:15
